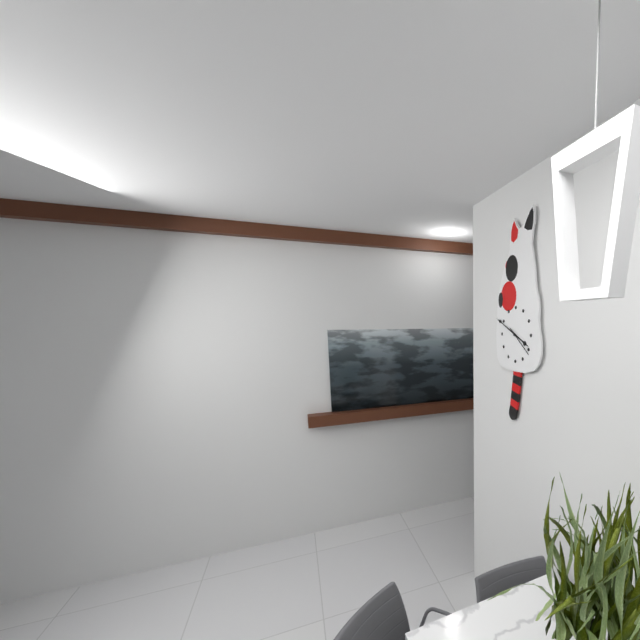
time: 3:49
